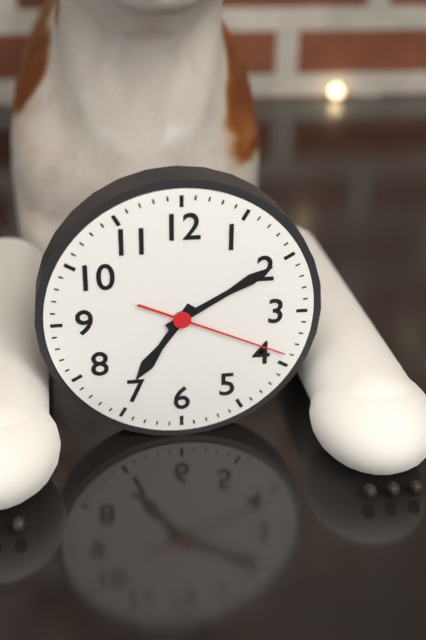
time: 7:10:19
